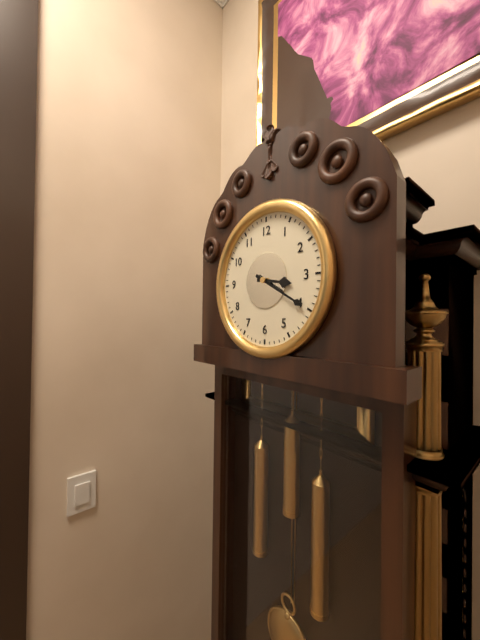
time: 3:20
